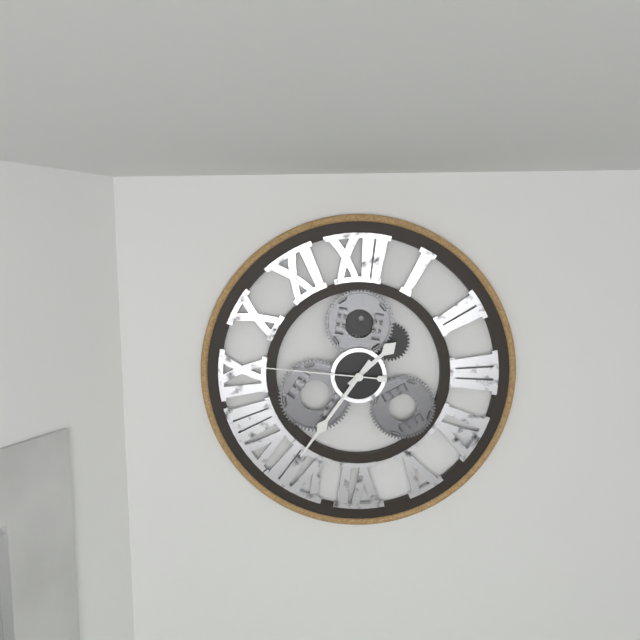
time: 1:36:46
